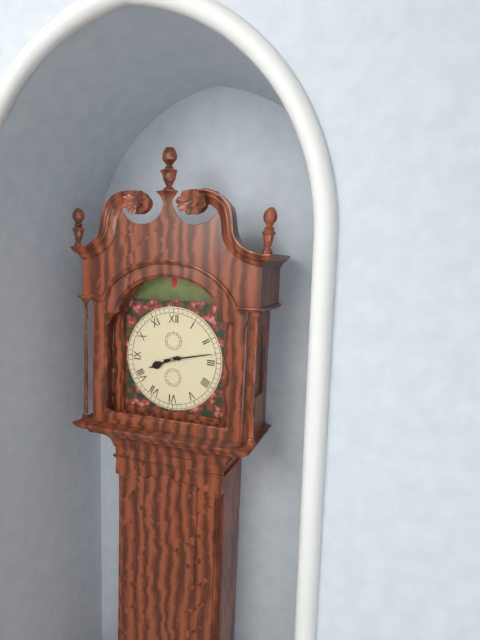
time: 8:13
